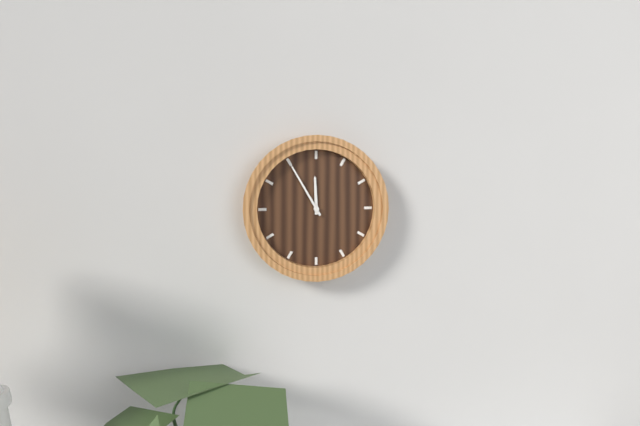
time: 11:55
